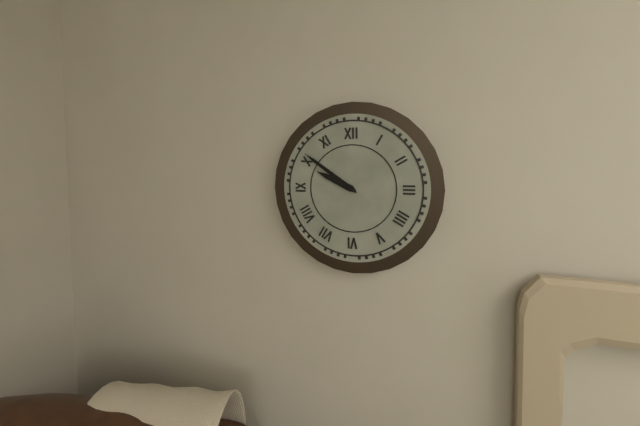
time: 9:51
